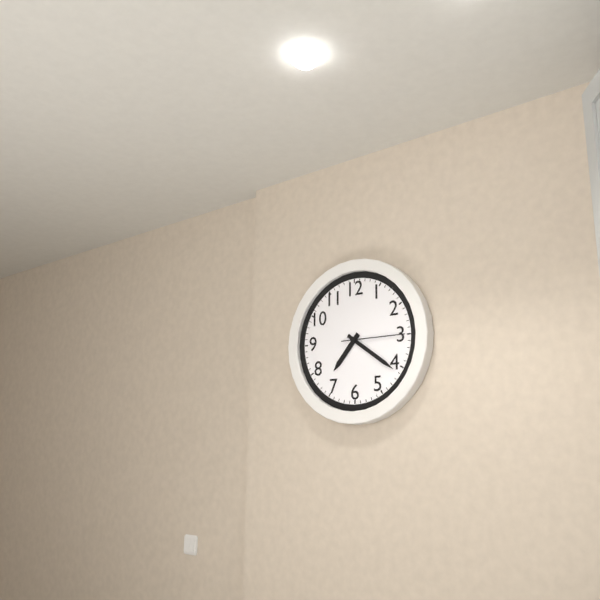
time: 7:21:15
